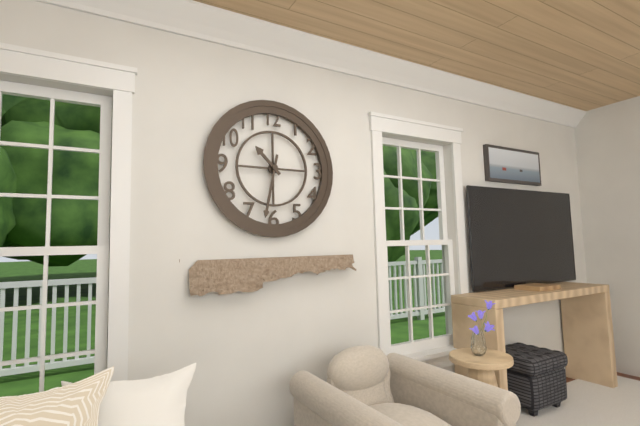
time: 10:32
